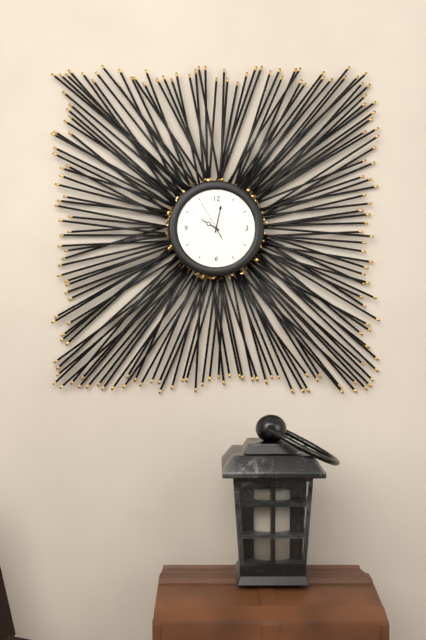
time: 10:02
